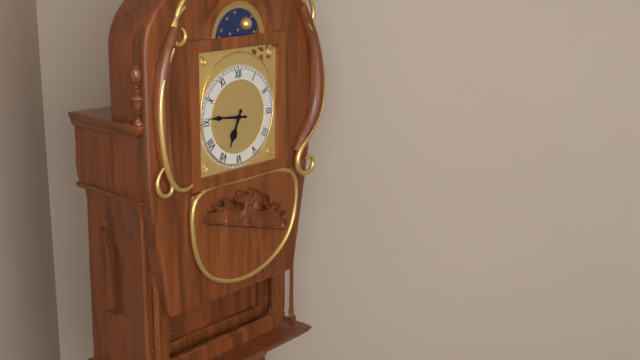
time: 6:46
